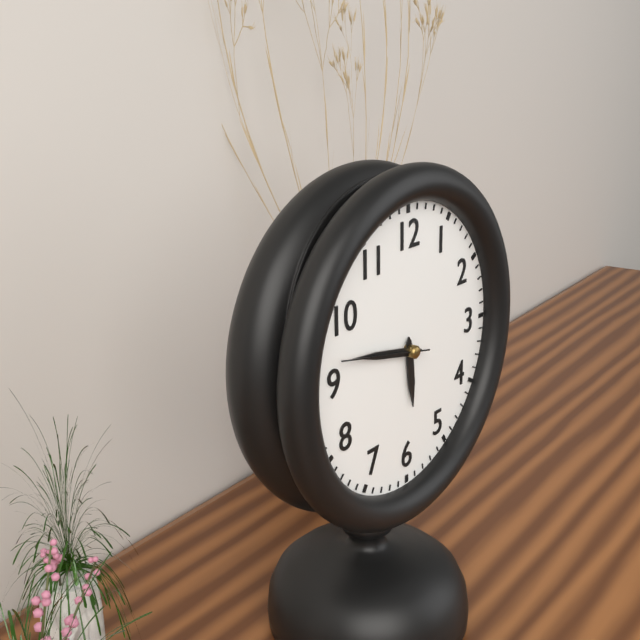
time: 5:47:47
